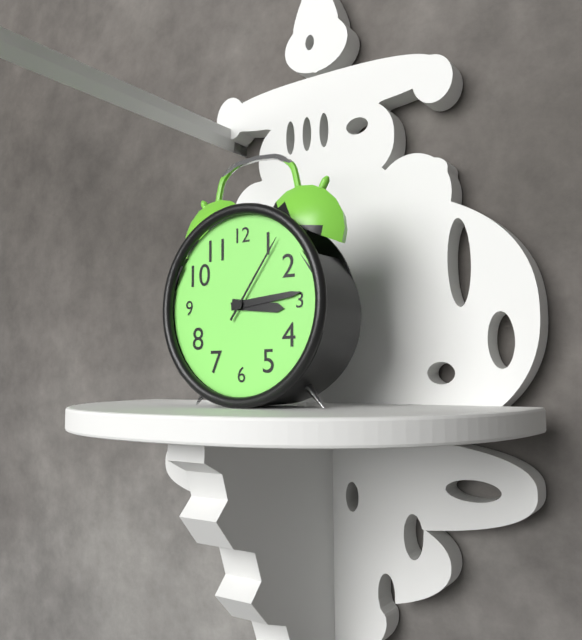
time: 3:14:06
